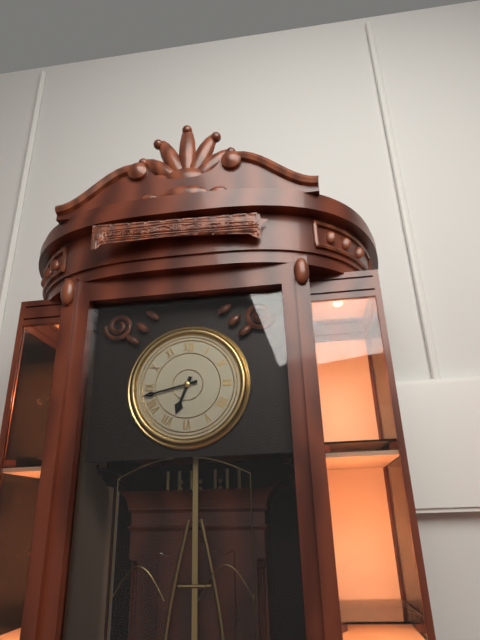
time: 6:43
